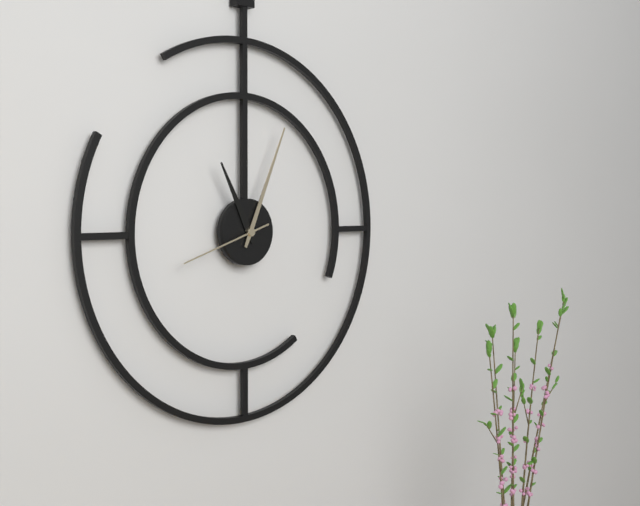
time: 11:04:42
